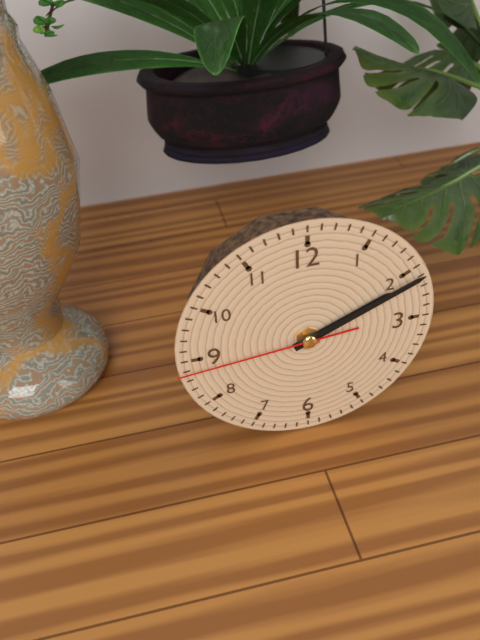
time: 2:11:44
